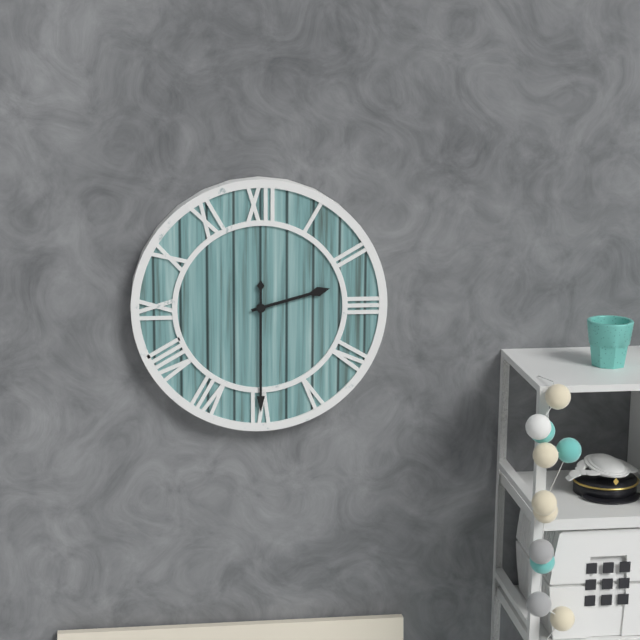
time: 2:30
